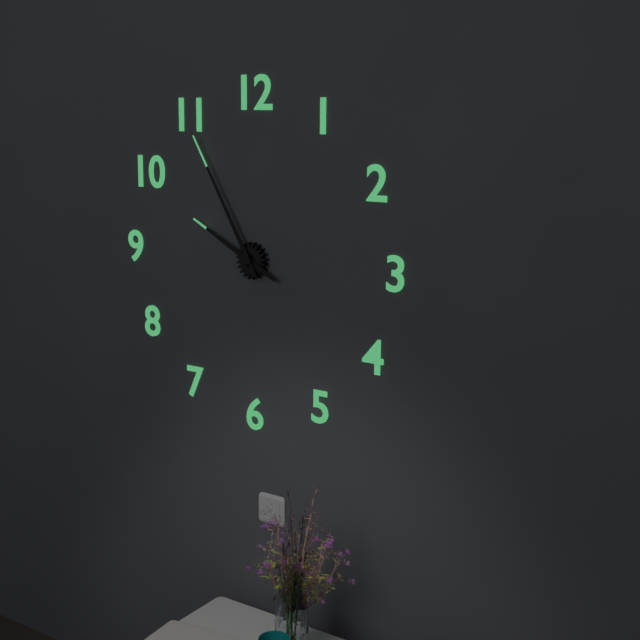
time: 9:55
